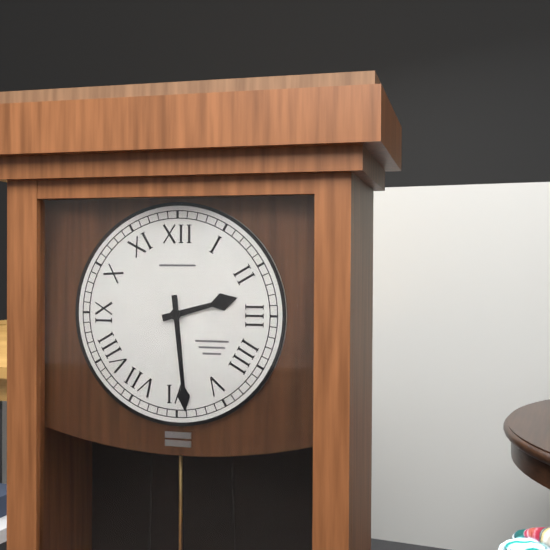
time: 2:29
